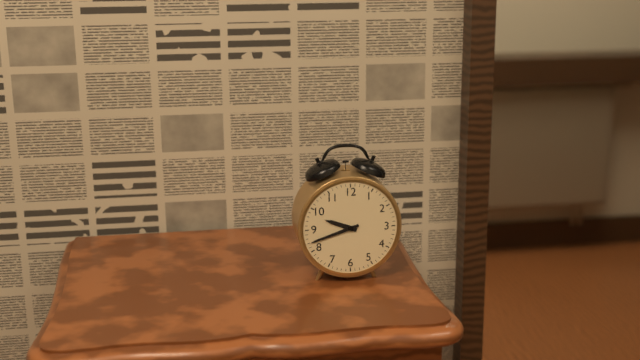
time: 9:42
